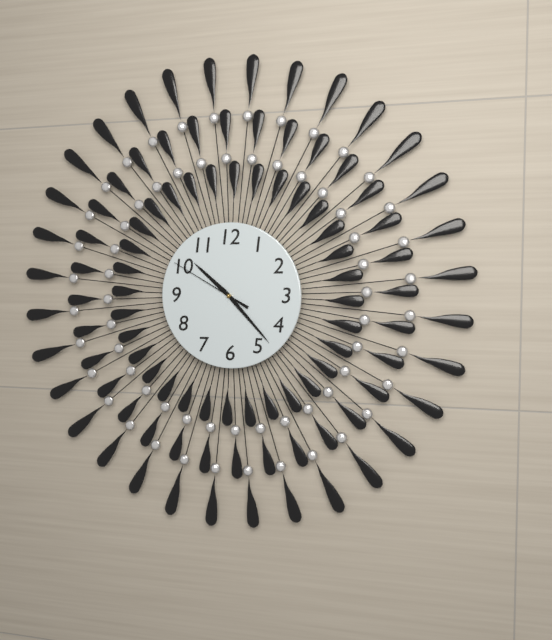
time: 10:23:50
